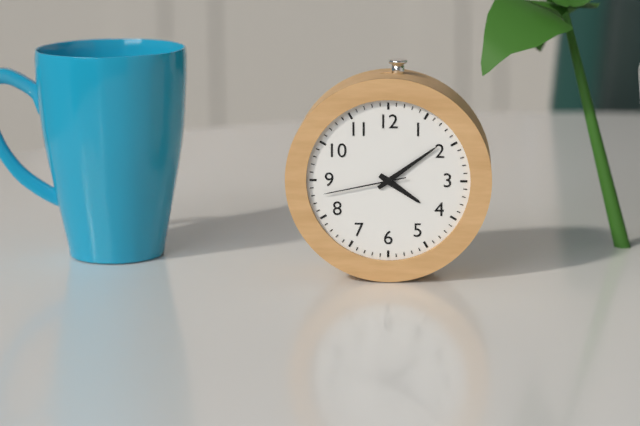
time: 4:09:43
